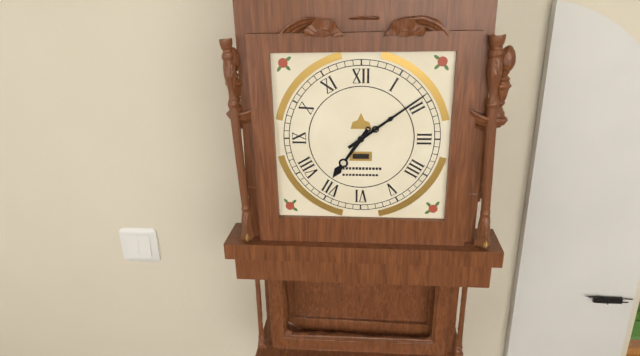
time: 7:09
